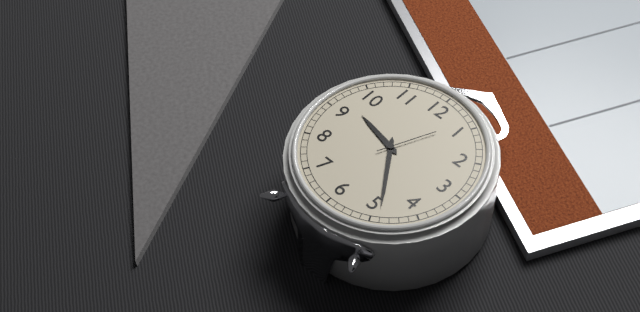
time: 9:24:04
